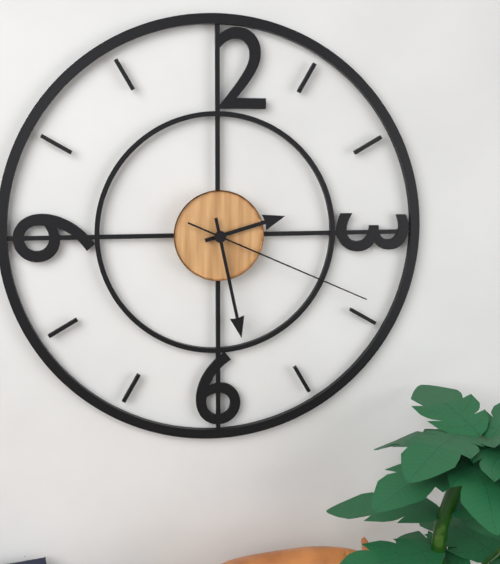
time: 2:28:19
